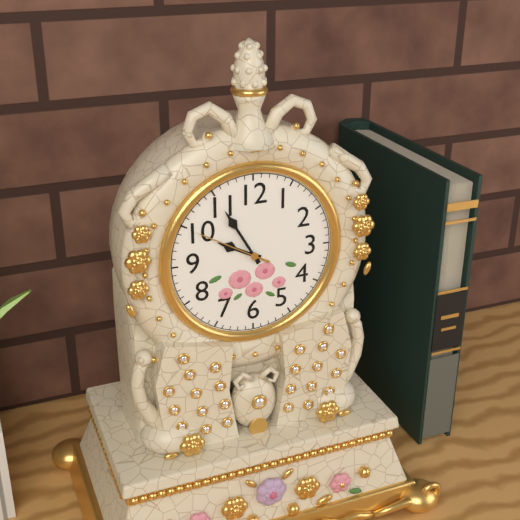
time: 9:55:50
